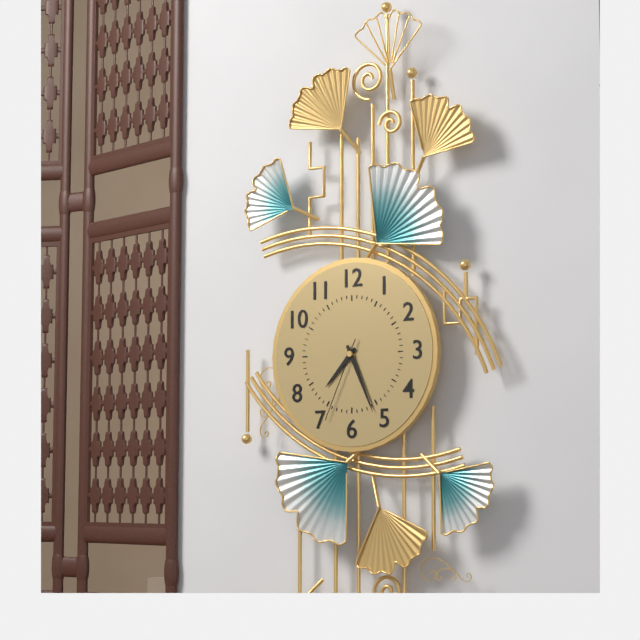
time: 7:26:34
